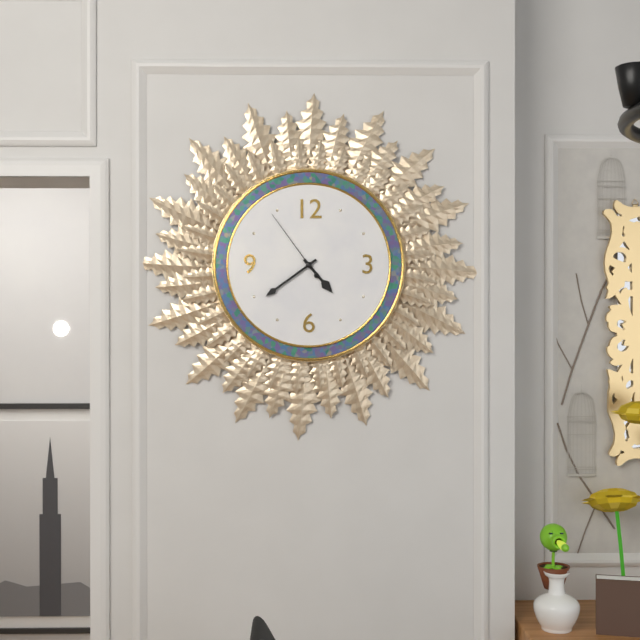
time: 4:39:54
